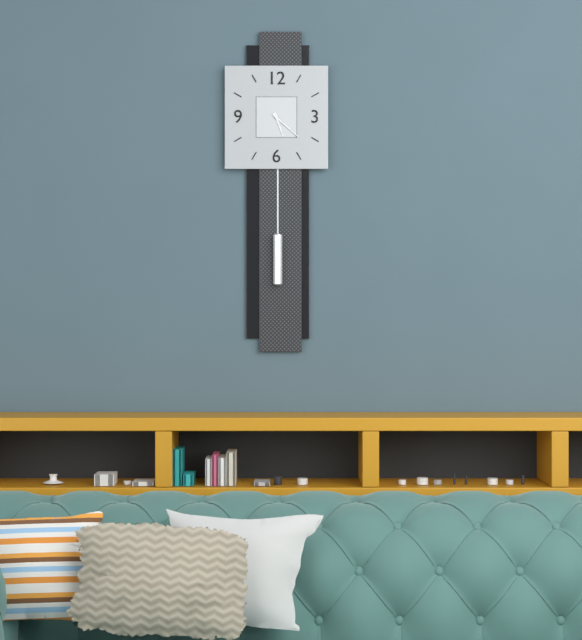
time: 5:22
